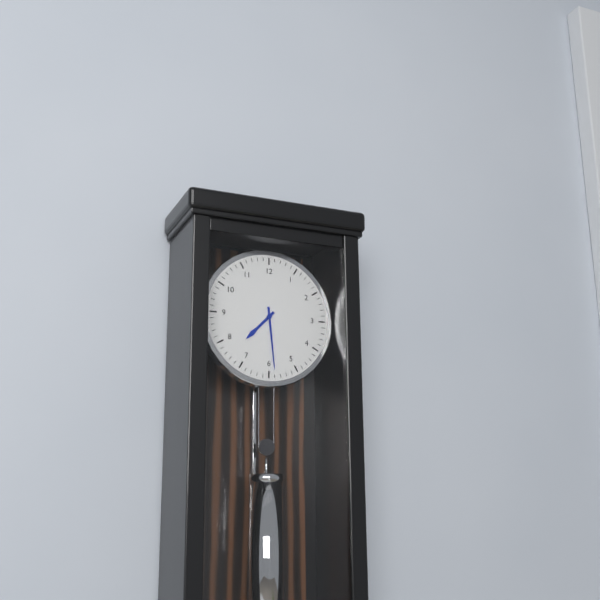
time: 7:29
